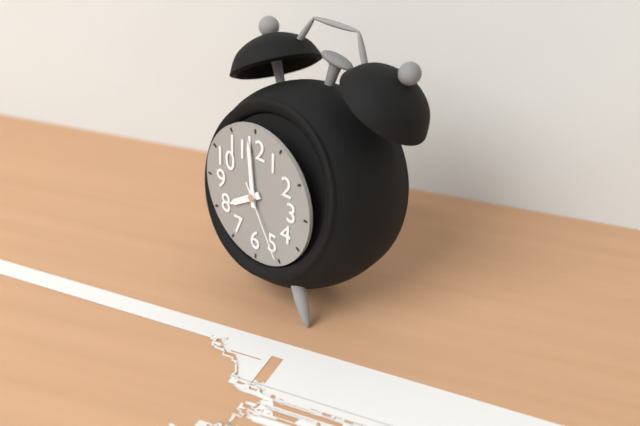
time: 7:59:25
